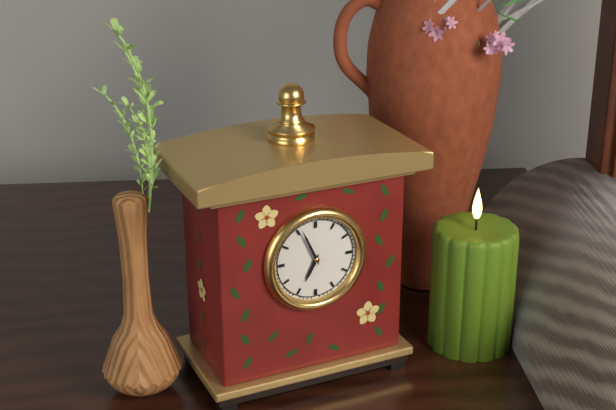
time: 6:56
